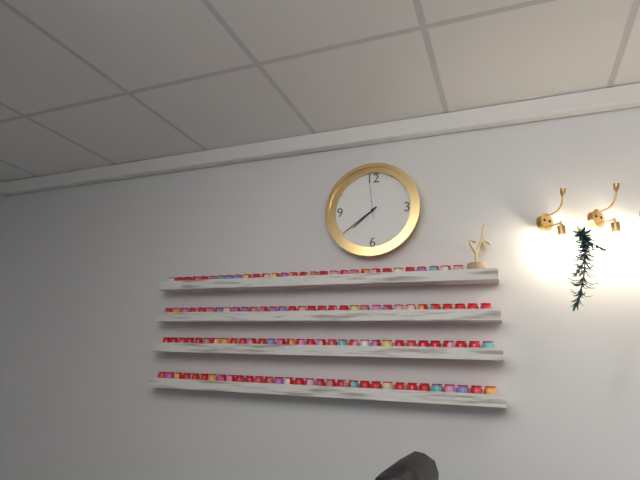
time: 7:39
